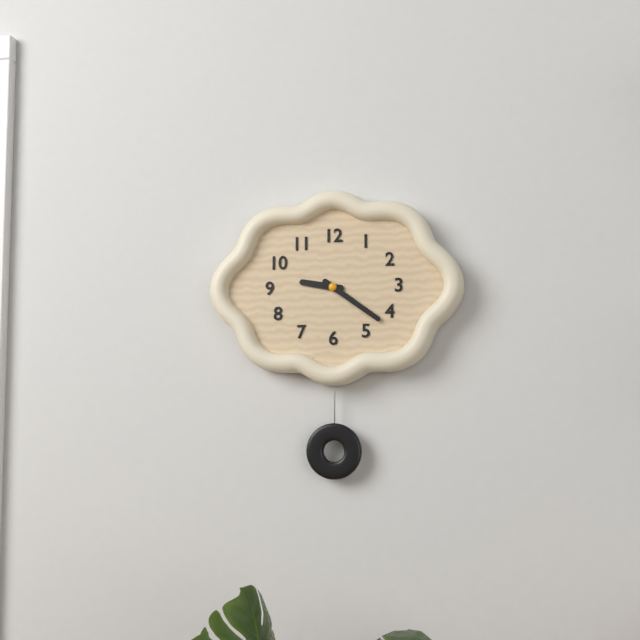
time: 9:21
